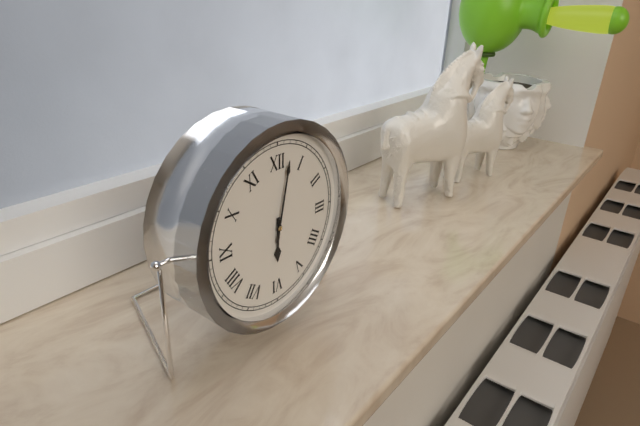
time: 6:02
